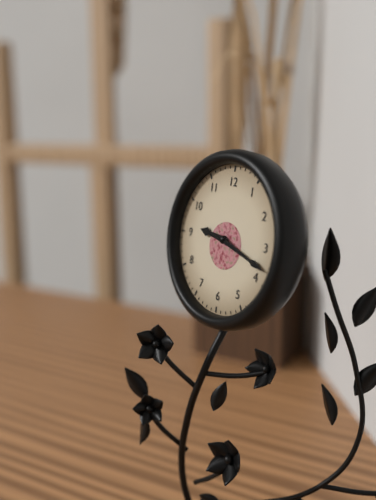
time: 9:18
